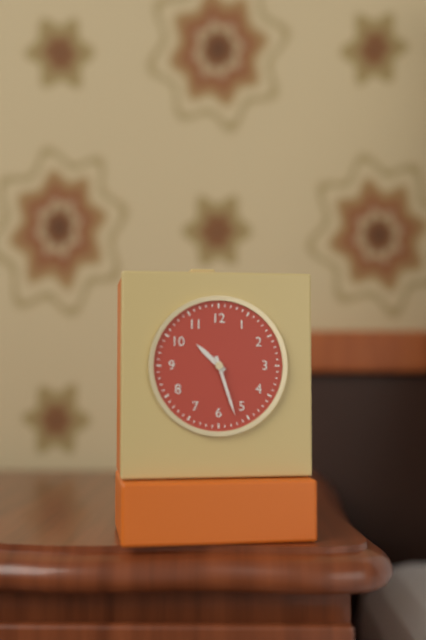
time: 10:27
